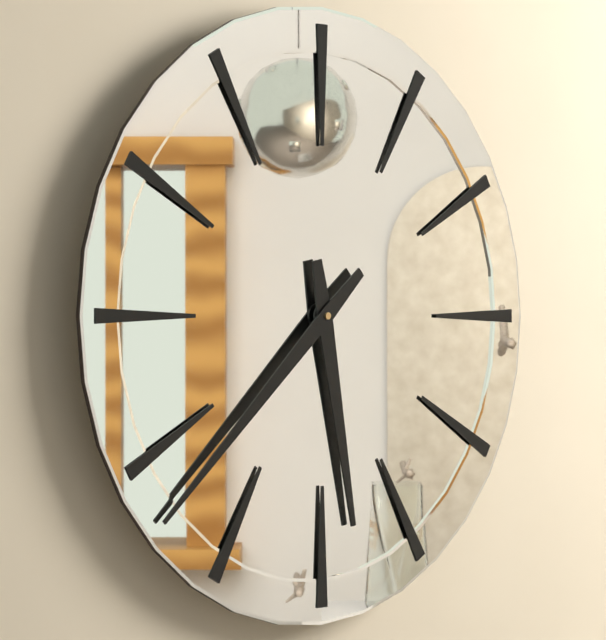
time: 5:38
